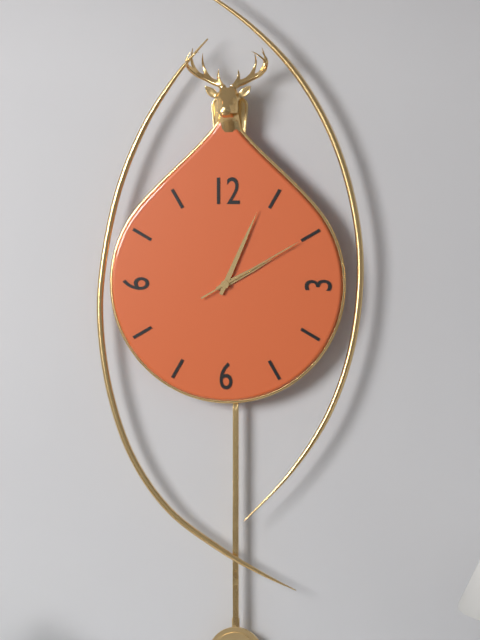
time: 2:04:10
